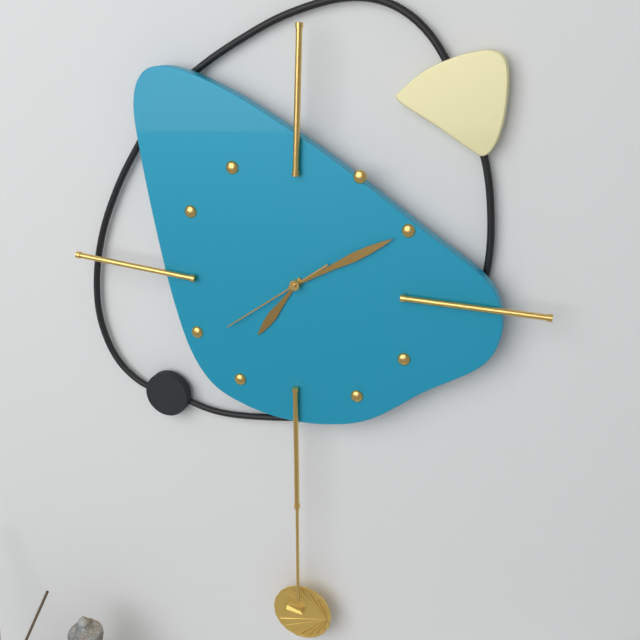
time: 7:10:39
